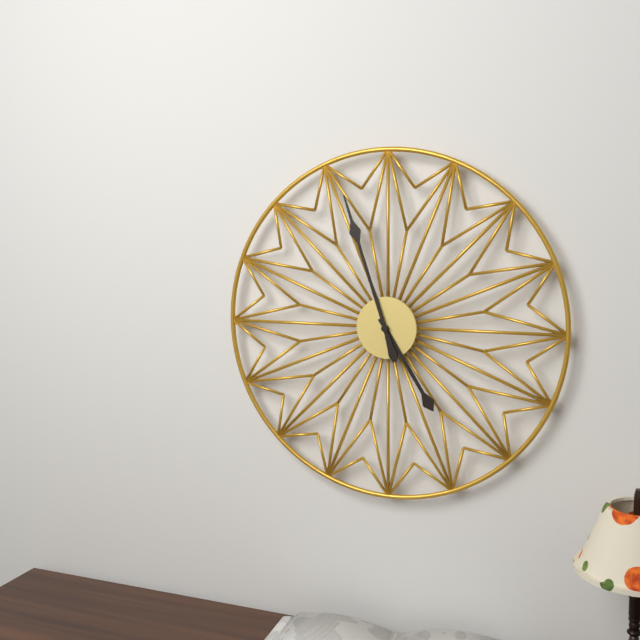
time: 4:57
